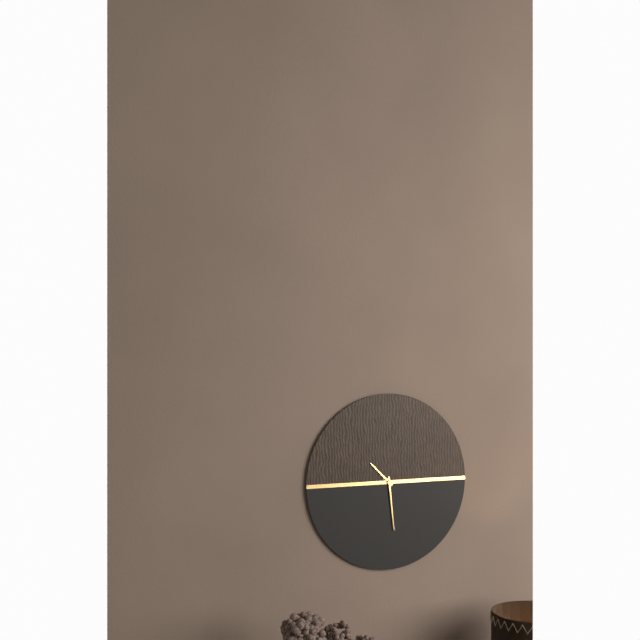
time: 10:29
